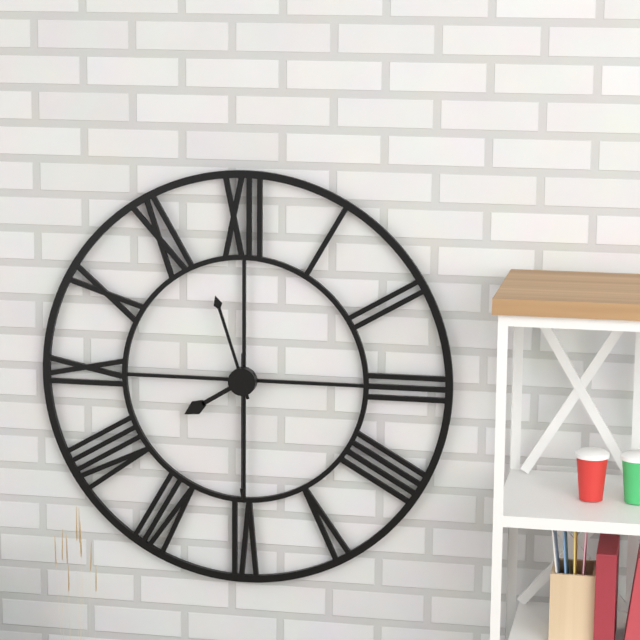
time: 7:57:30
